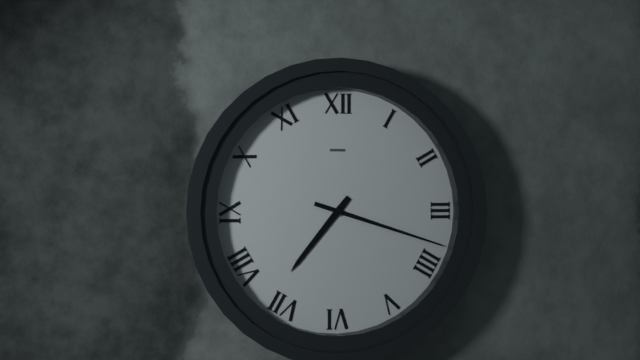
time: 7:18
